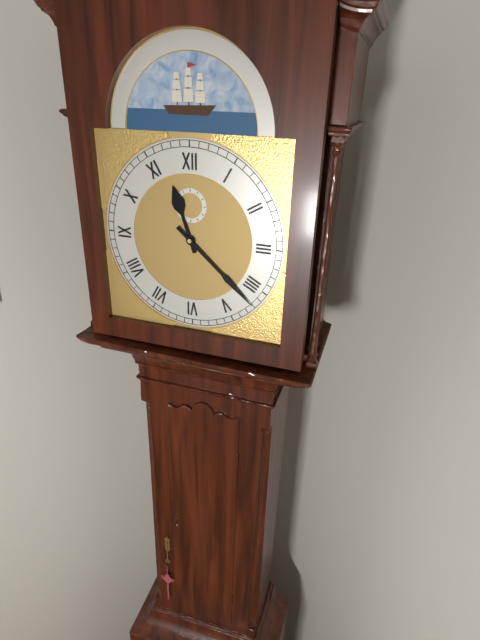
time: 11:22
